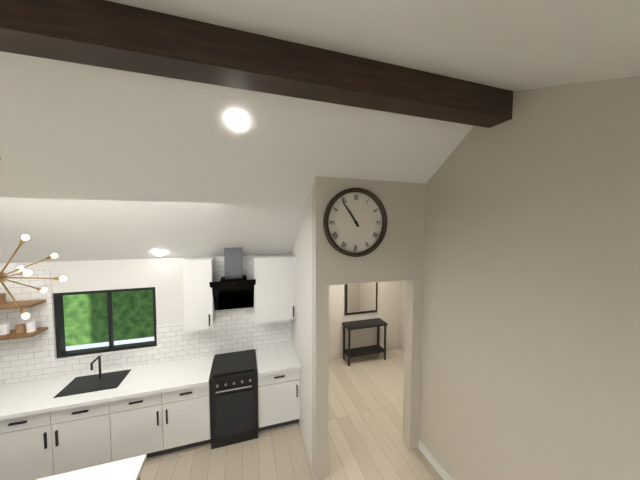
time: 10:54
